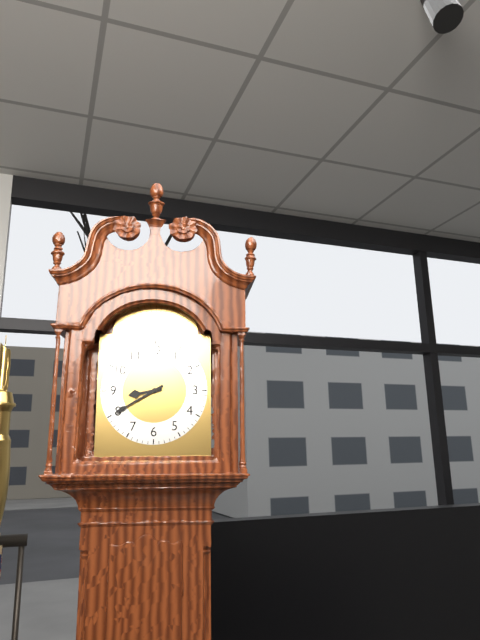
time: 8:40
